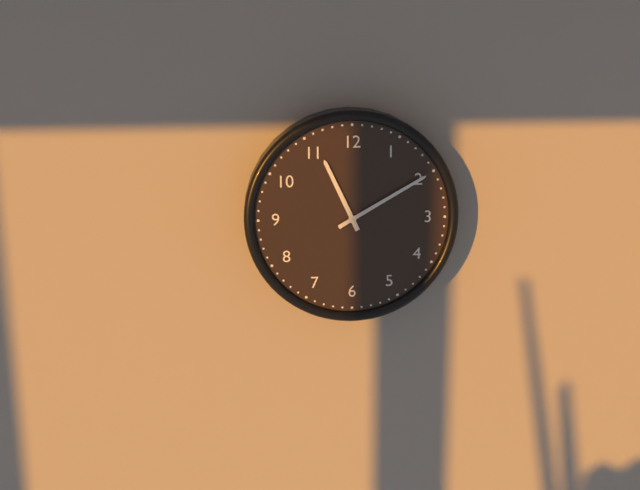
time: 11:10
